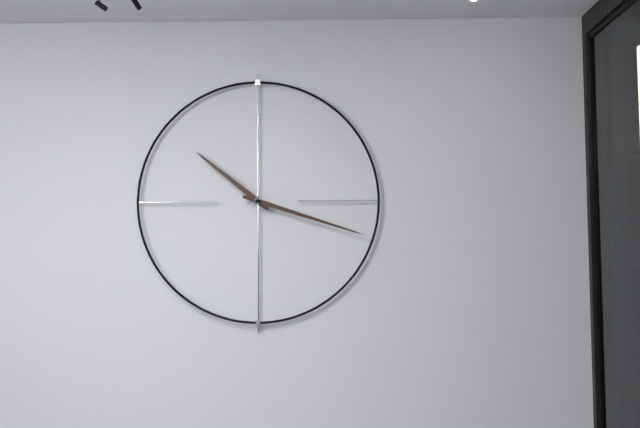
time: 10:18
